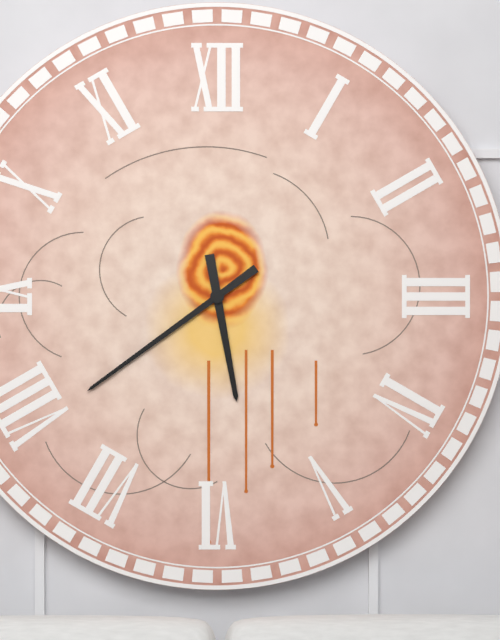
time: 5:39
